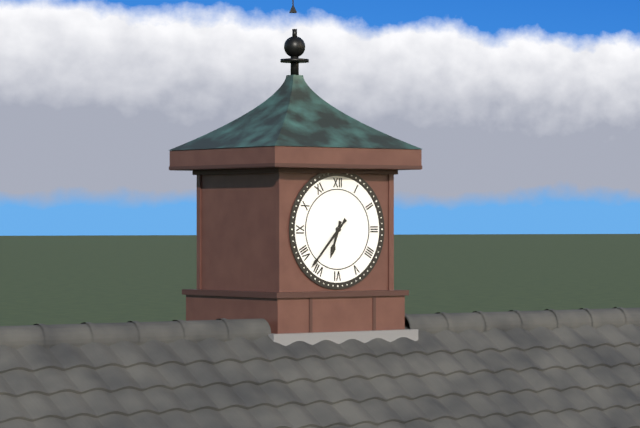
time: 6:37
